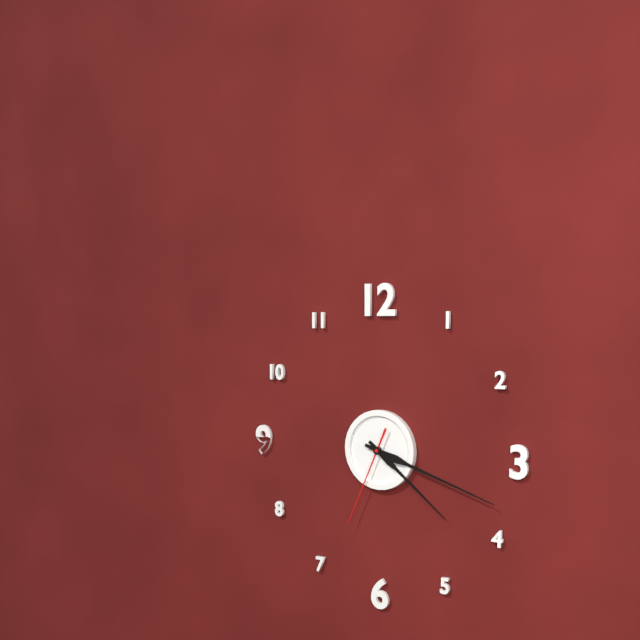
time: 4:18:34
